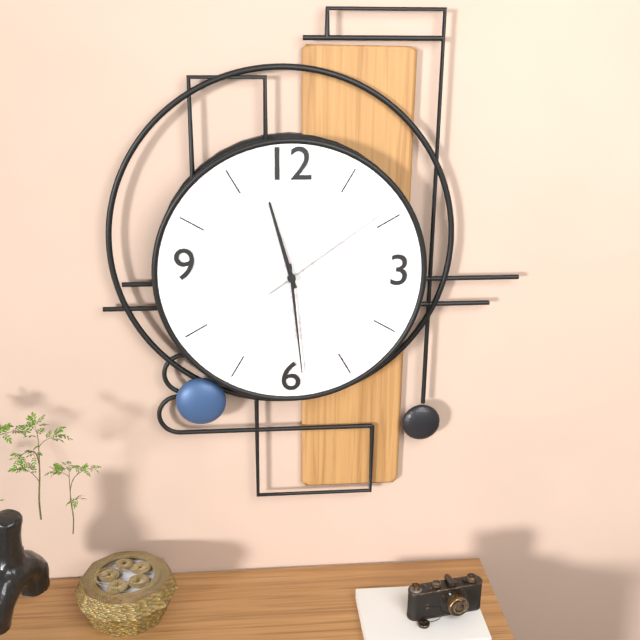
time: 11:29:09
